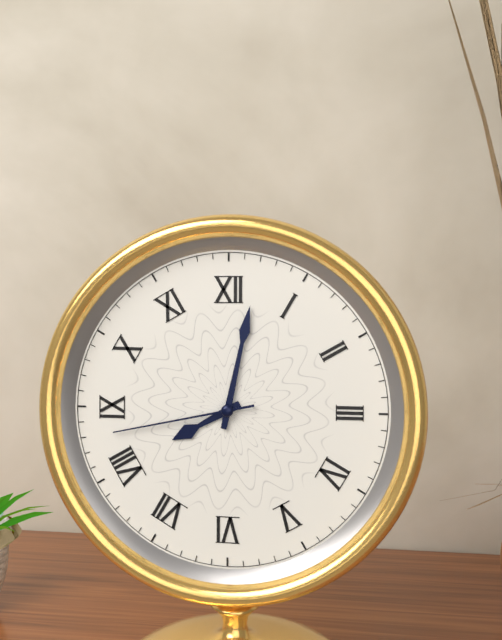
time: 8:02:43
